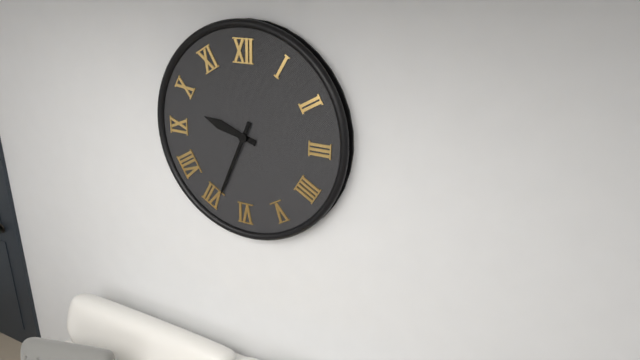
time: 9:34
